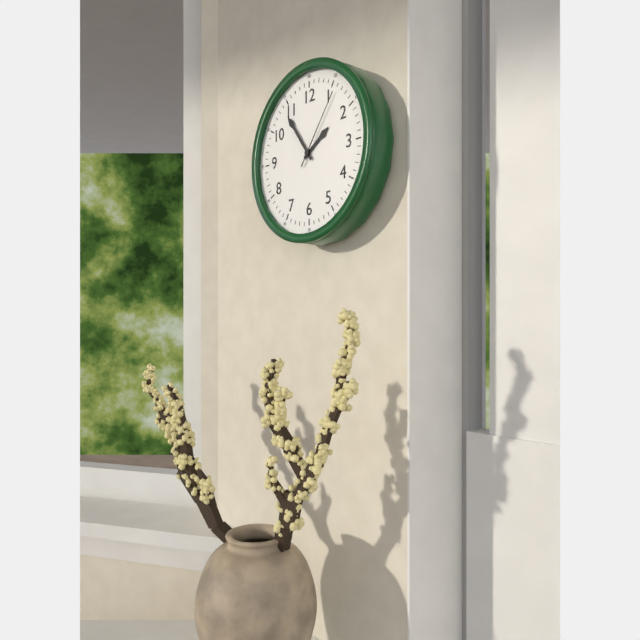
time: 1:54:06
